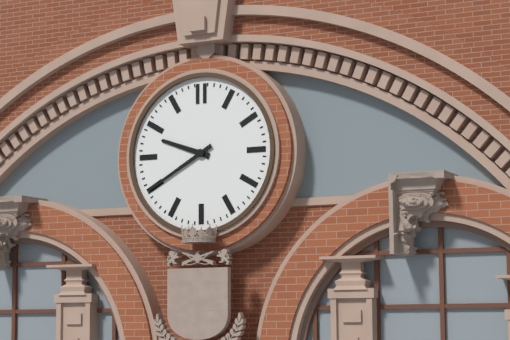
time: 9:40
